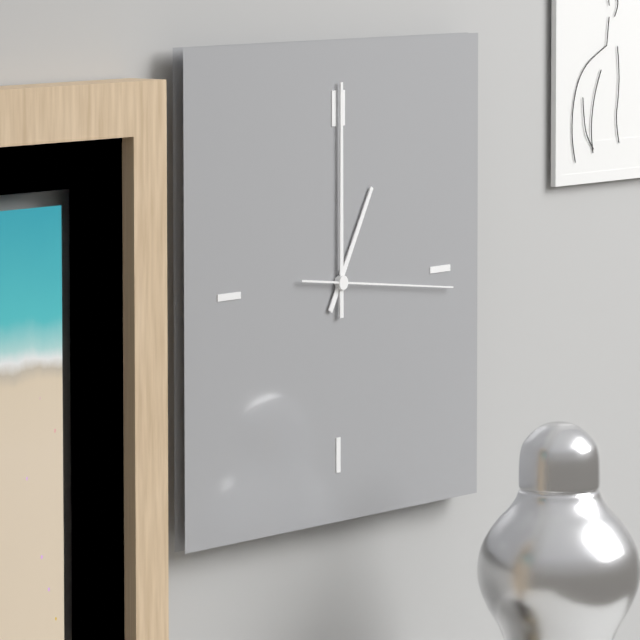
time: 1:00:16
